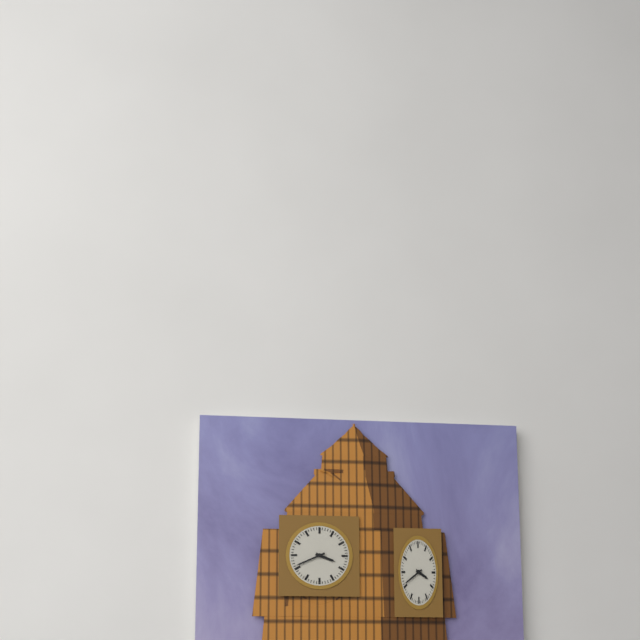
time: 3:41
